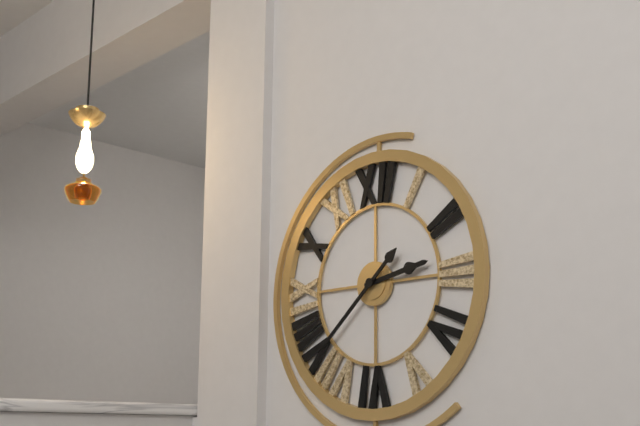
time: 2:38
